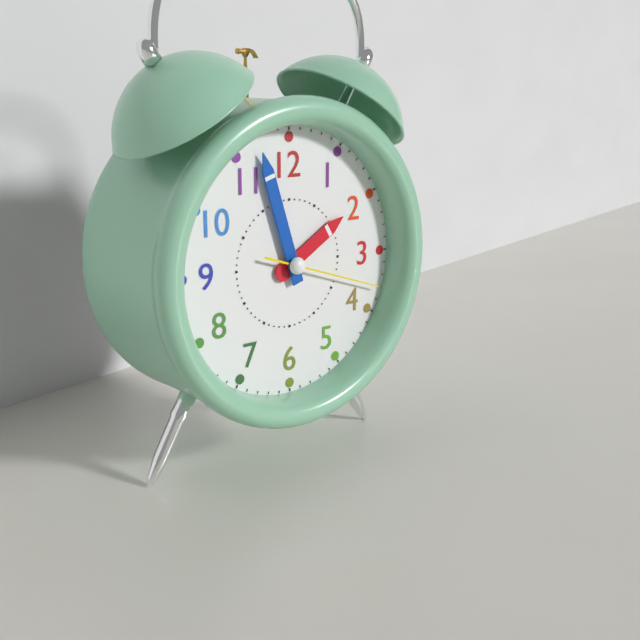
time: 1:57:18
